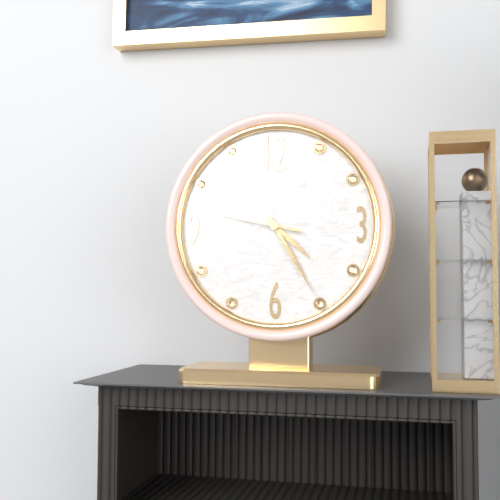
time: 4:25:47
